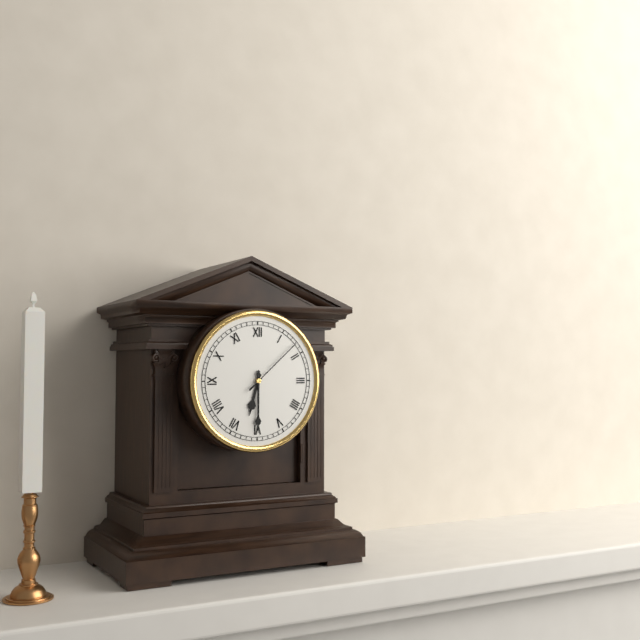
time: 6:30:08
